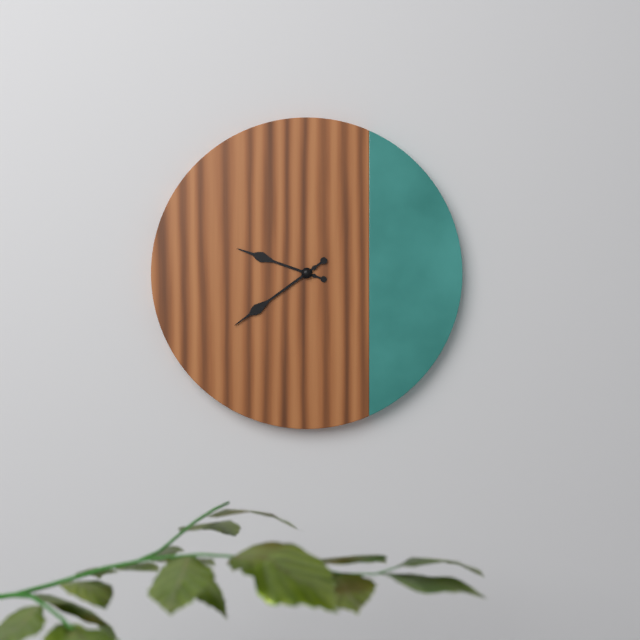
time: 9:39
